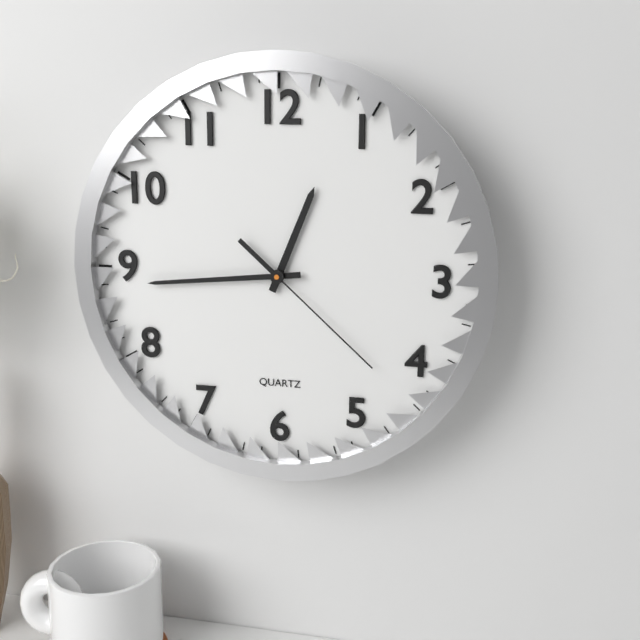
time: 12:44:22
